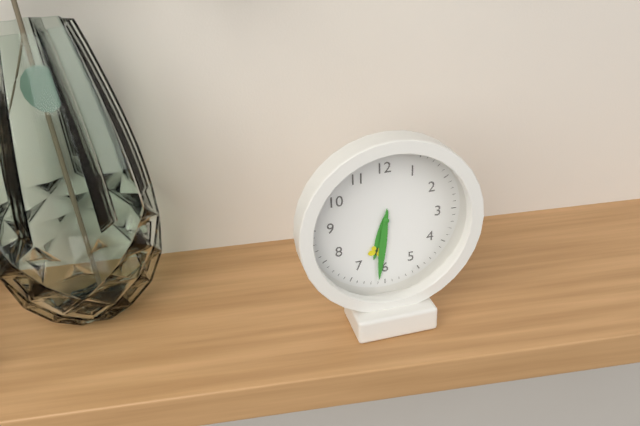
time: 6:31
